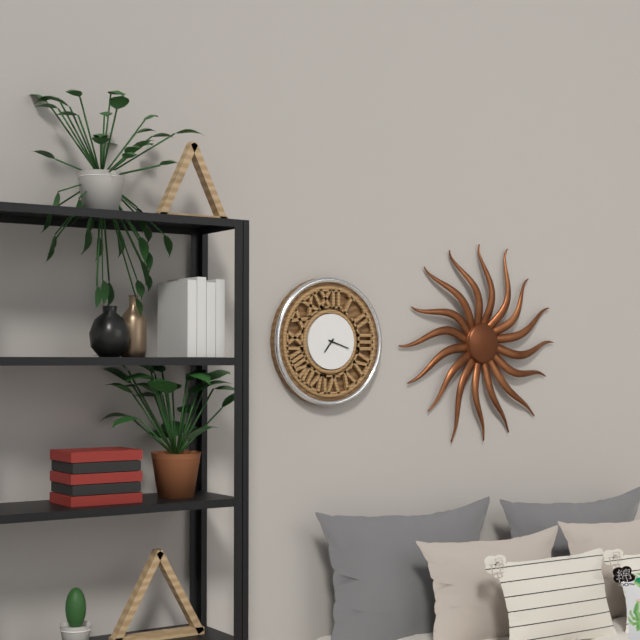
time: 7:18
